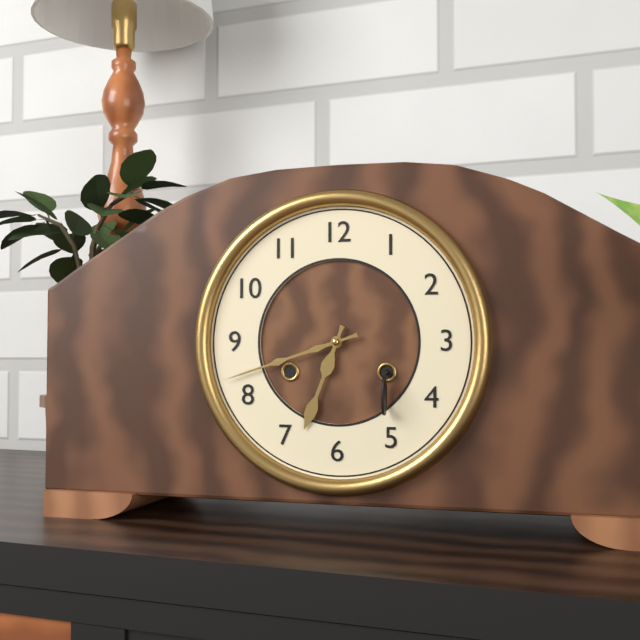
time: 6:42
